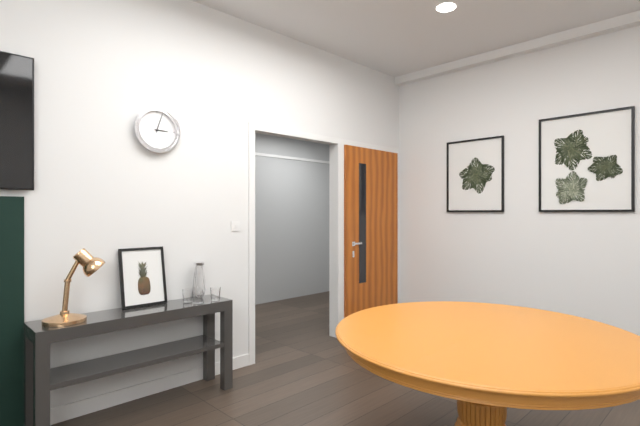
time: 3:03
